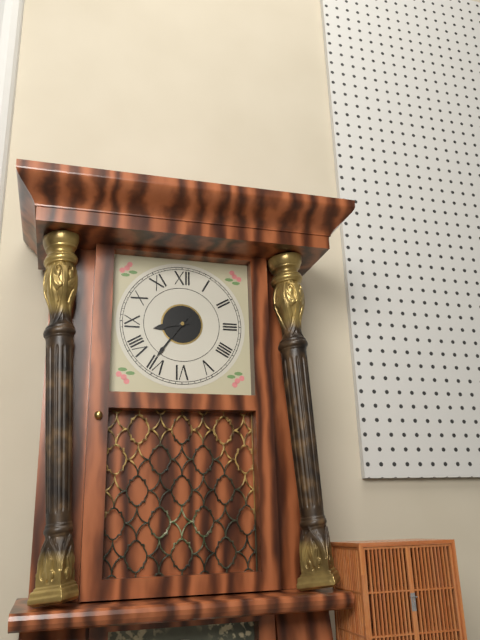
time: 8:36
